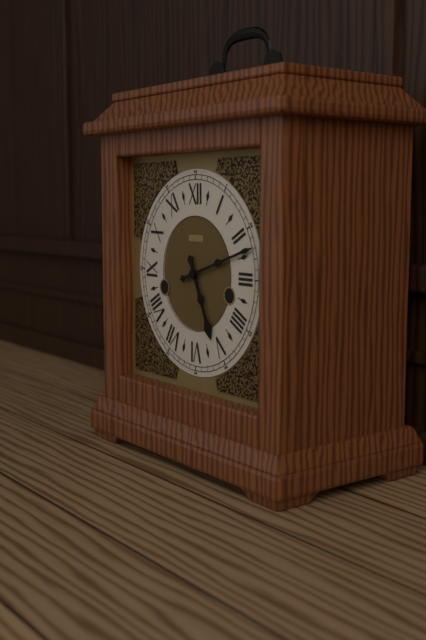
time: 5:12
